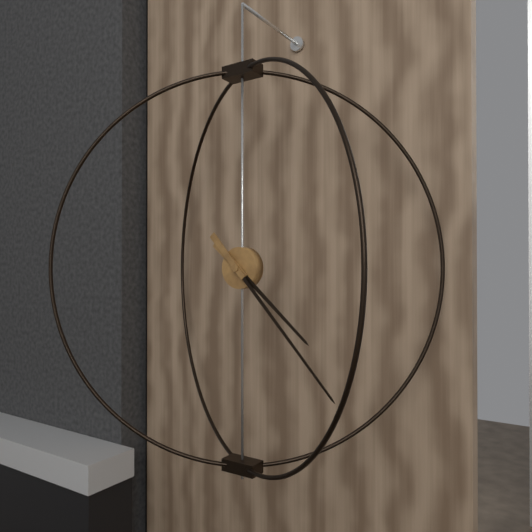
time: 4:23
